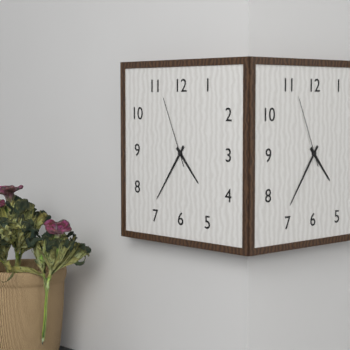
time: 4:36:56
